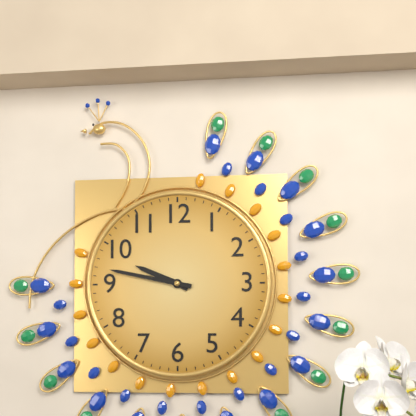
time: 9:47
